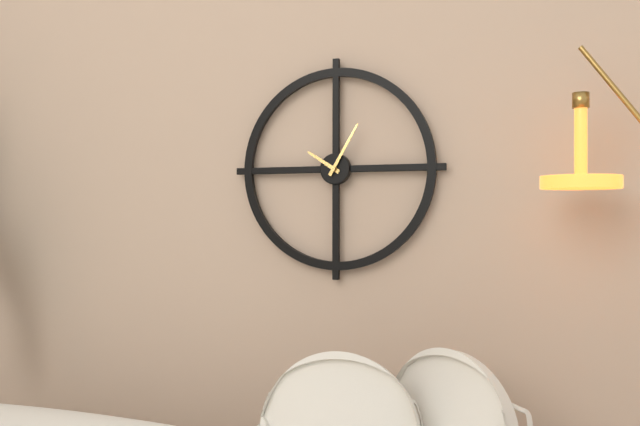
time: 10:05
